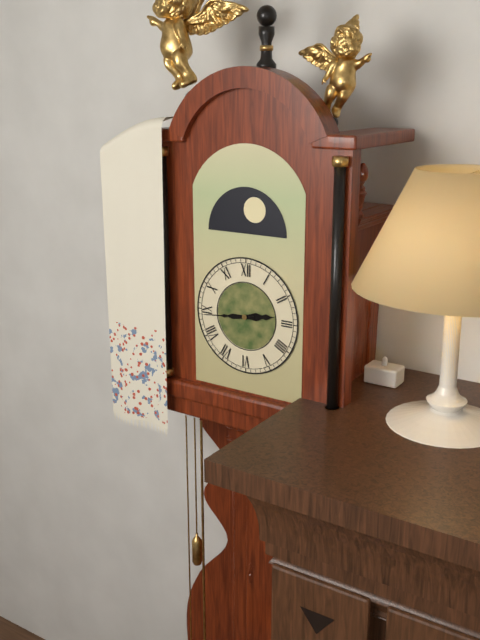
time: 2:44
